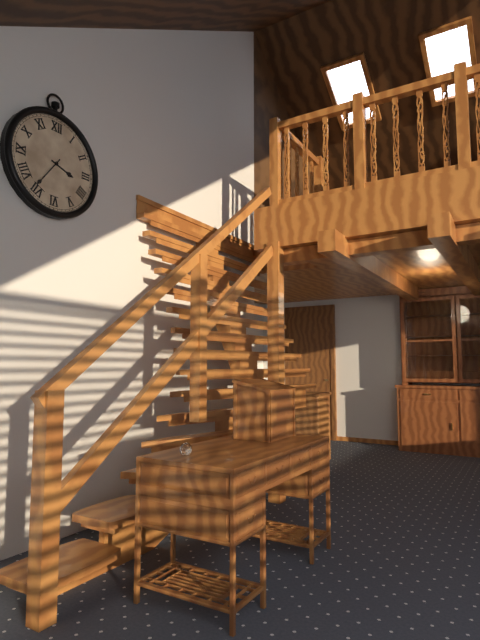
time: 3:36
